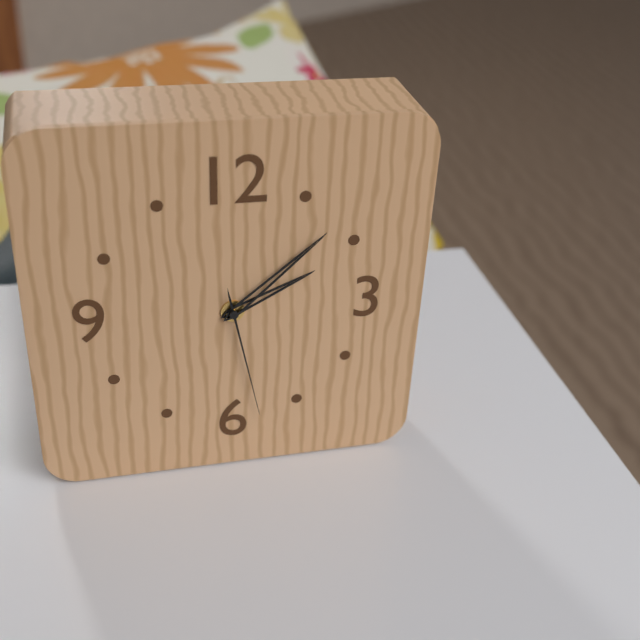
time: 2:08:28
